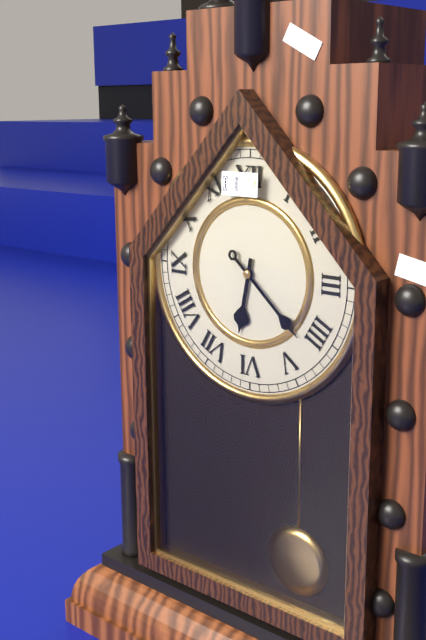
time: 6:22
